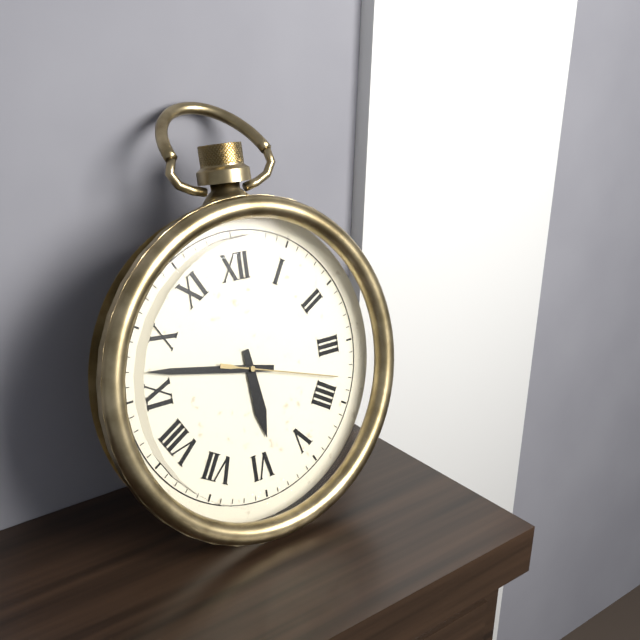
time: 5:47:18
